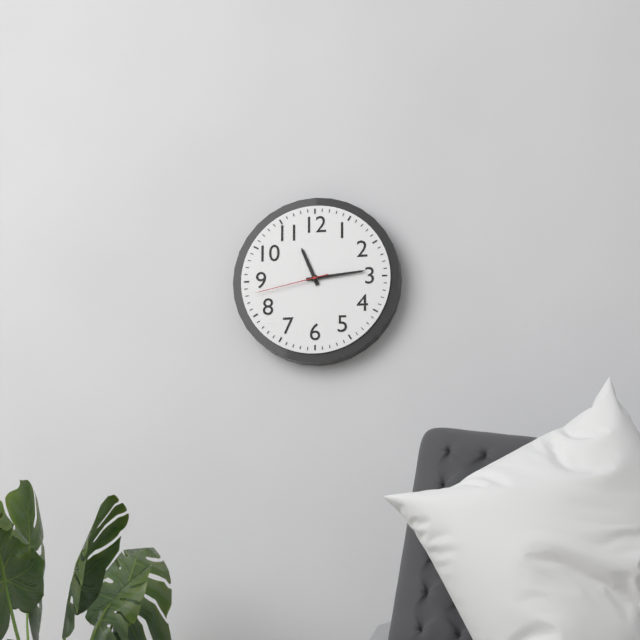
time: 11:14:43
